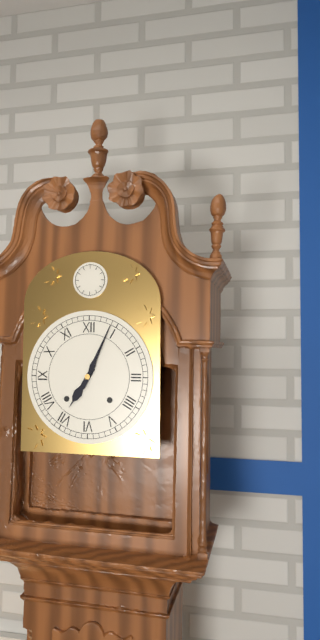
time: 7:04
